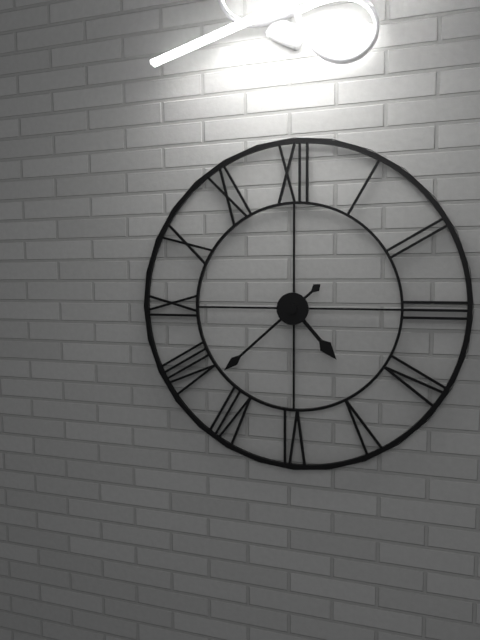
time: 4:38
